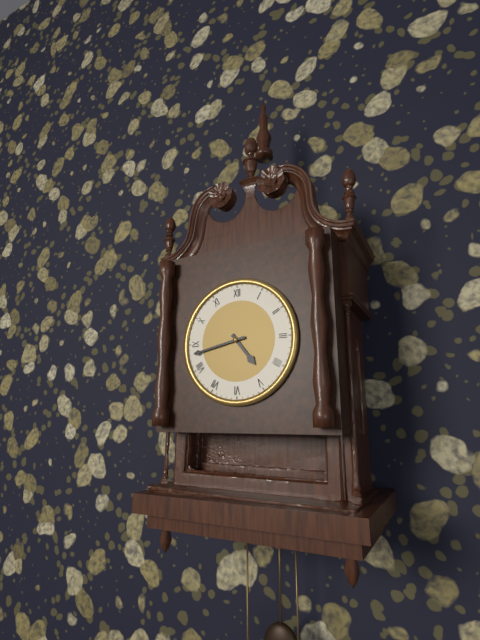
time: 4:43
